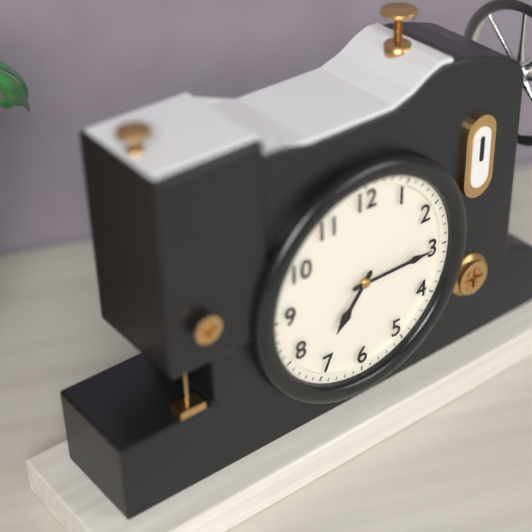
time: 7:15
